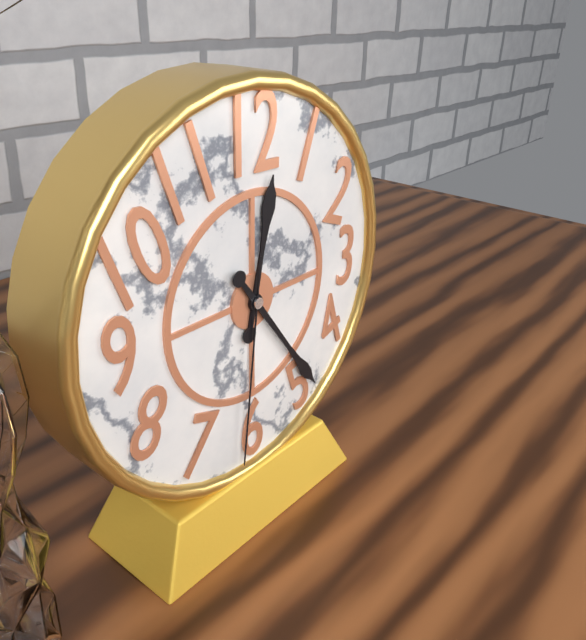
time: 12:24:31
